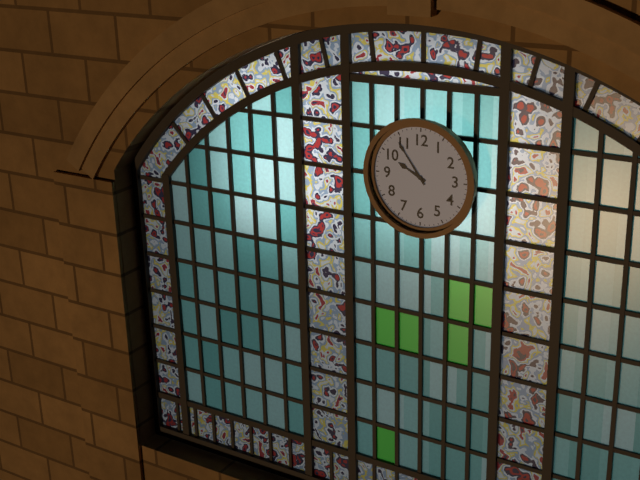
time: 9:54
